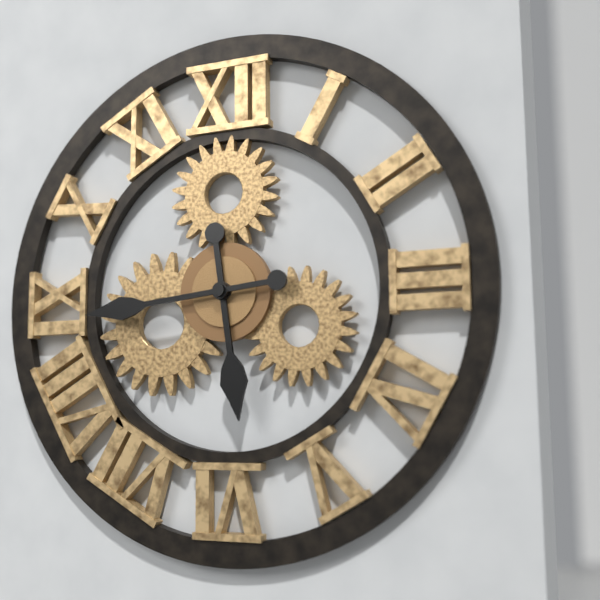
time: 5:44
